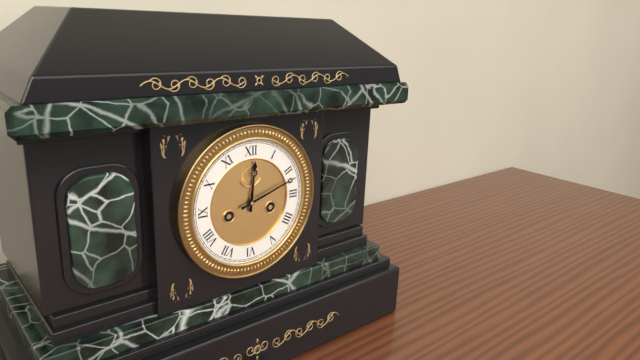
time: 12:12
